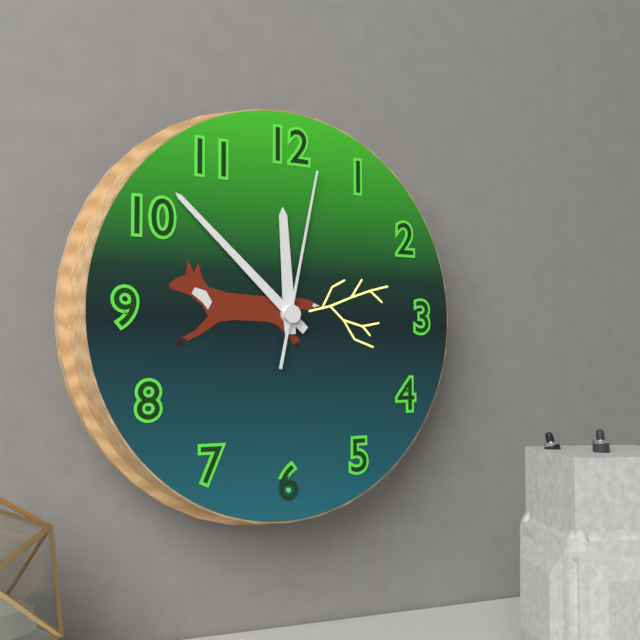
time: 11:52:02
